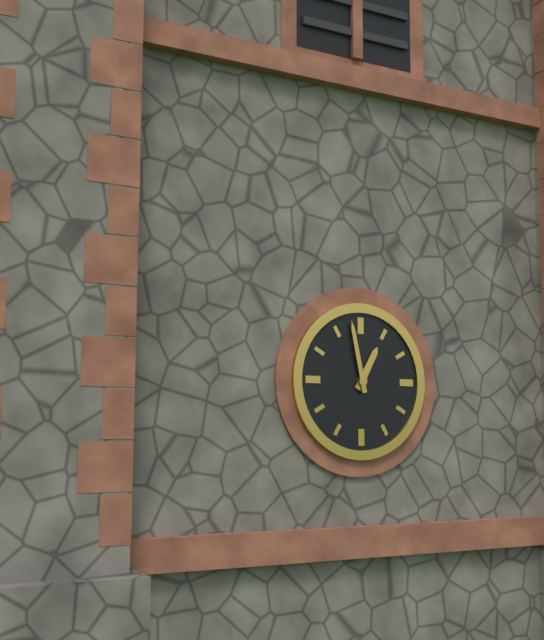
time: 12:58
